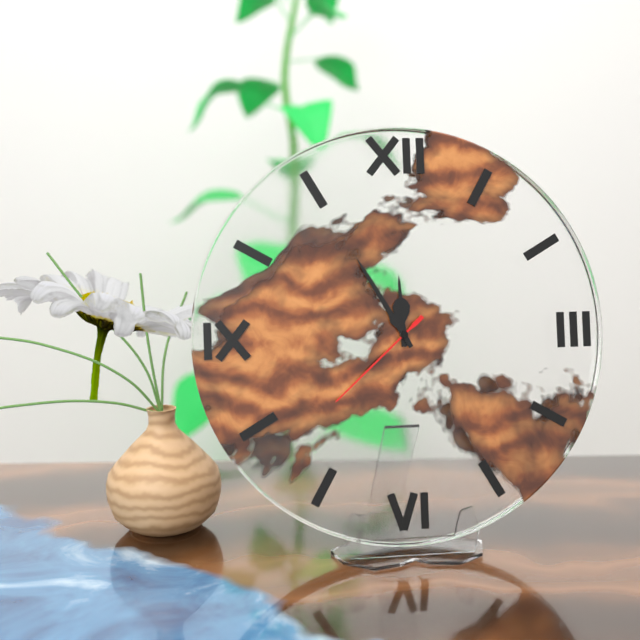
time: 11:55:38
